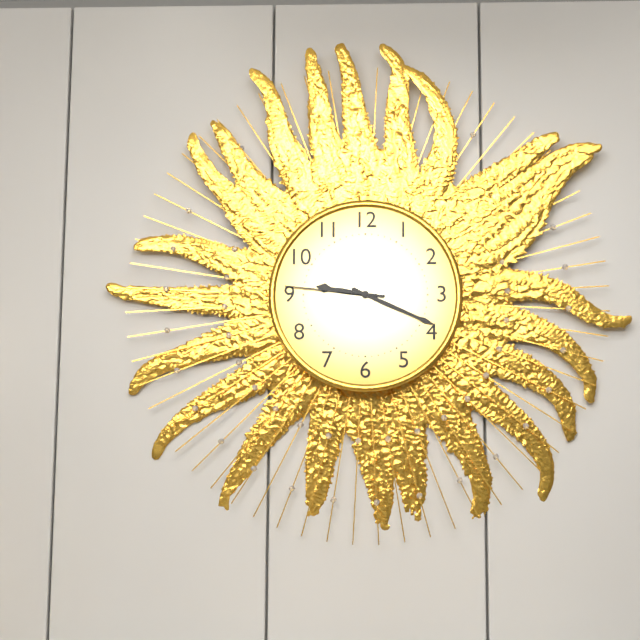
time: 9:19:46
